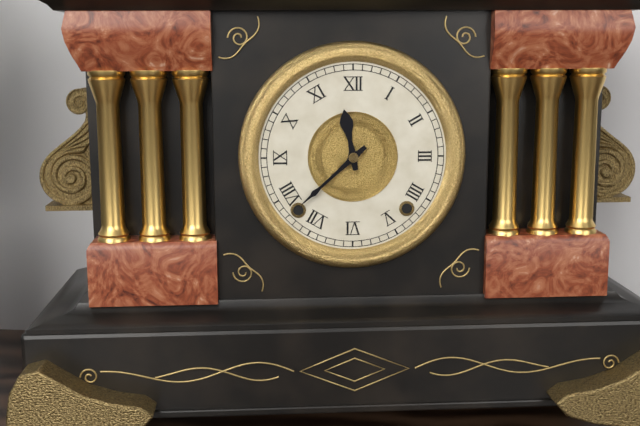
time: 11:38
